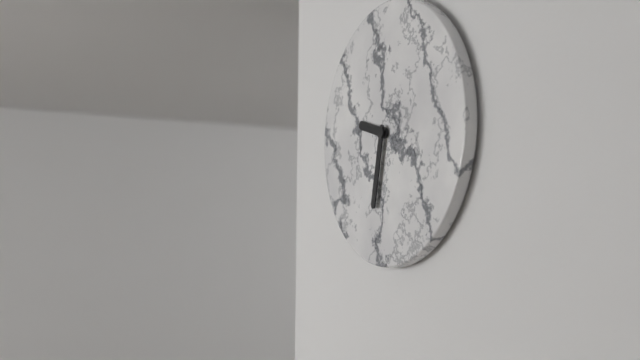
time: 9:32
